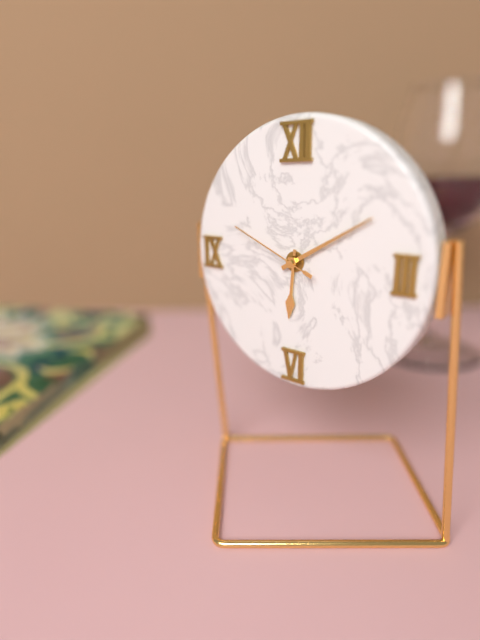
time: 6:10:49
